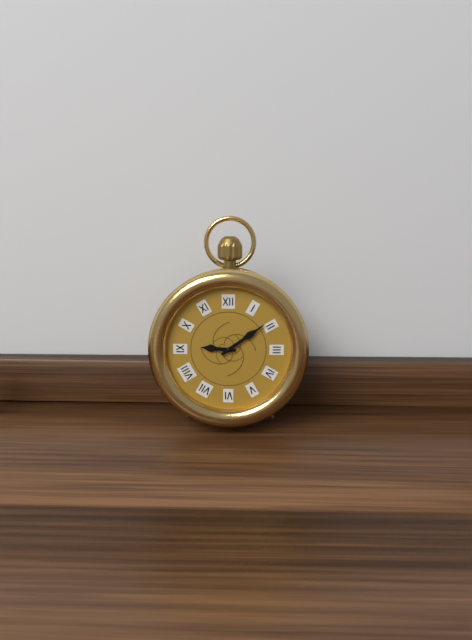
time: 9:09
